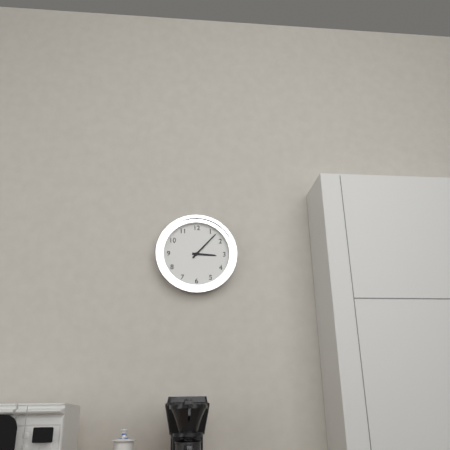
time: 3:07
